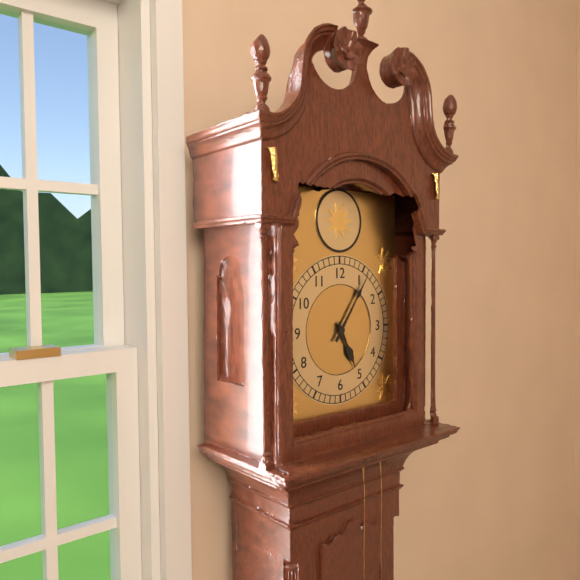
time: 5:06
